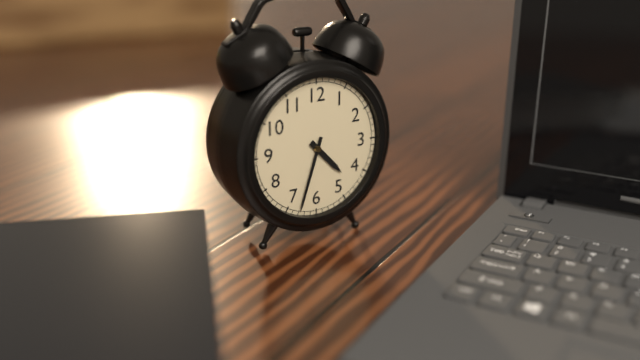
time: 4:33
